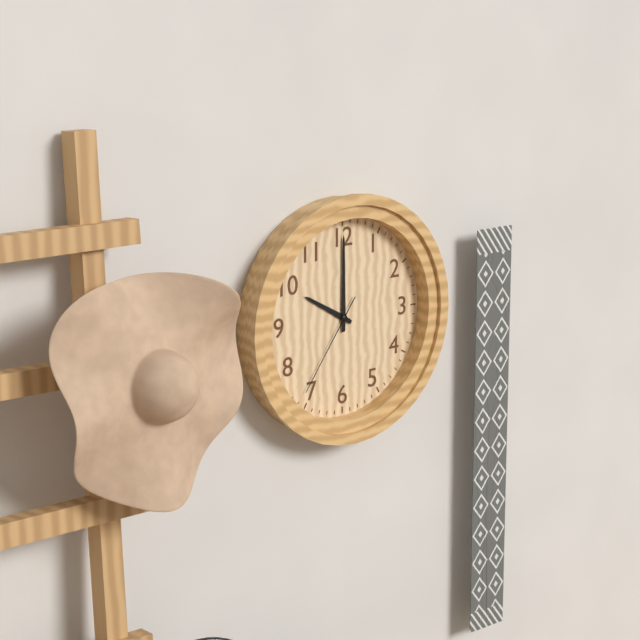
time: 10:00:36
